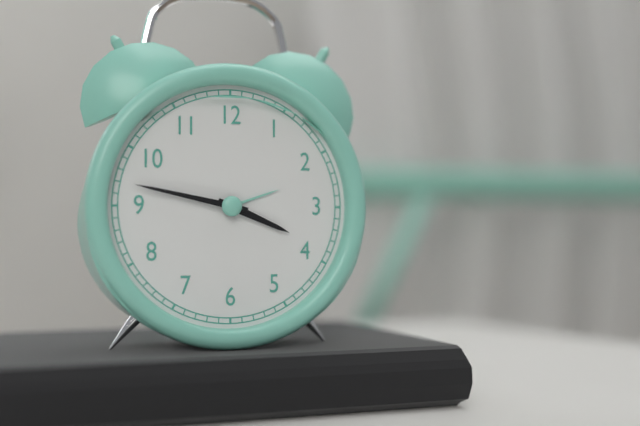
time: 3:47
